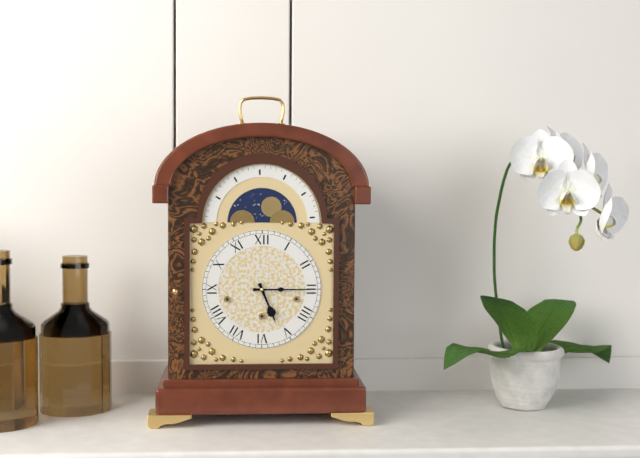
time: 5:15
